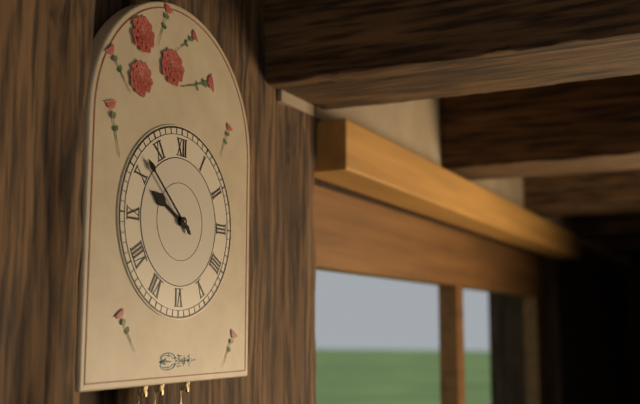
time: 9:52
